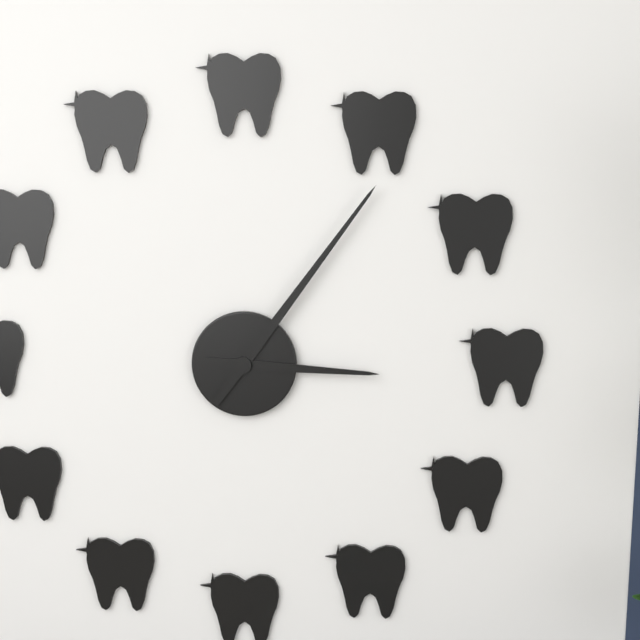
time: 3:06
